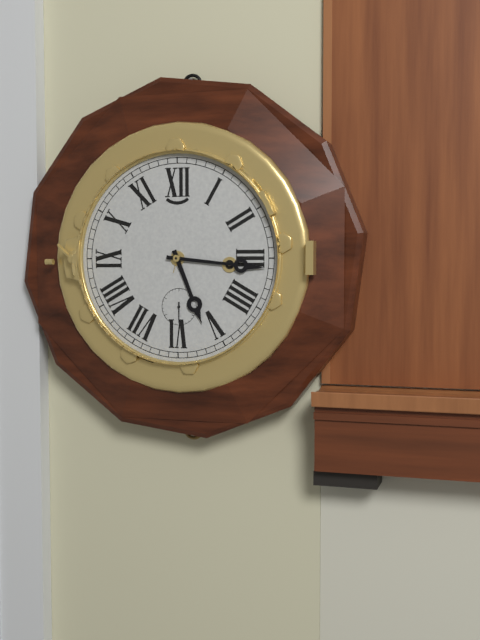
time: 5:16
